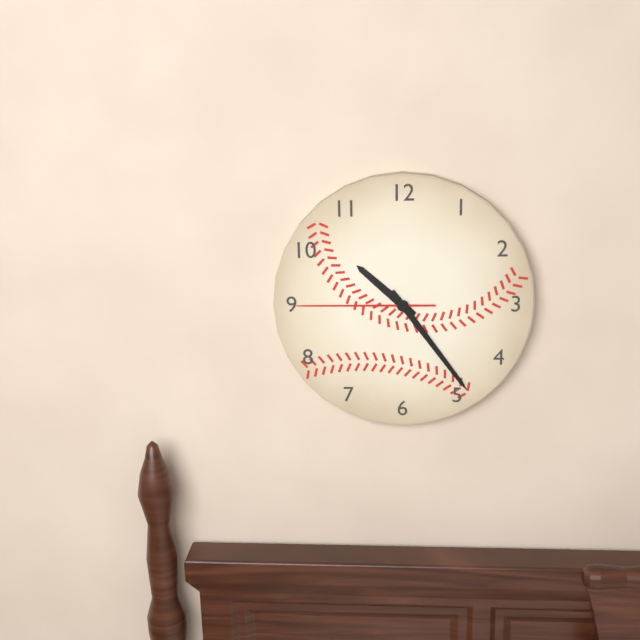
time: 10:24:45
